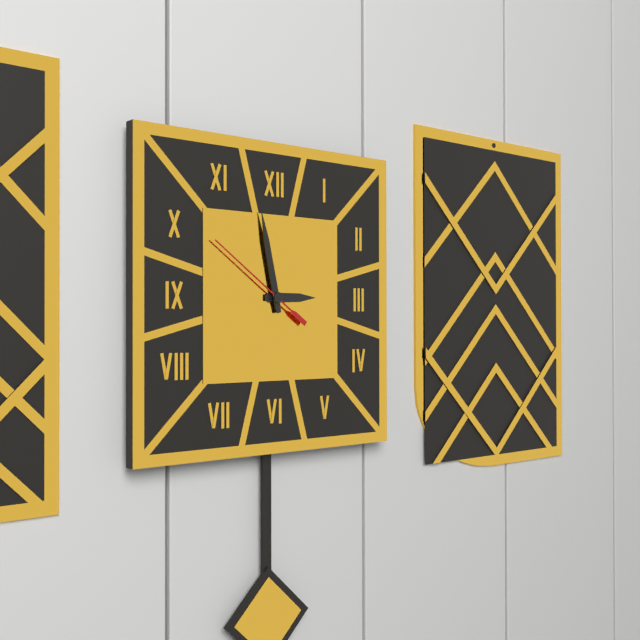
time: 2:58:51
